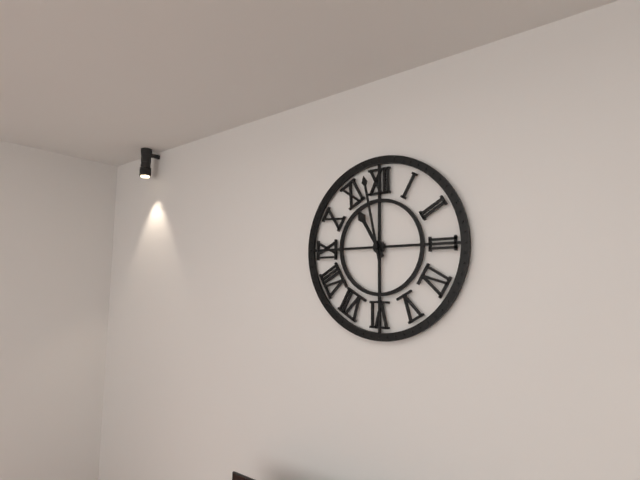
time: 10:58
